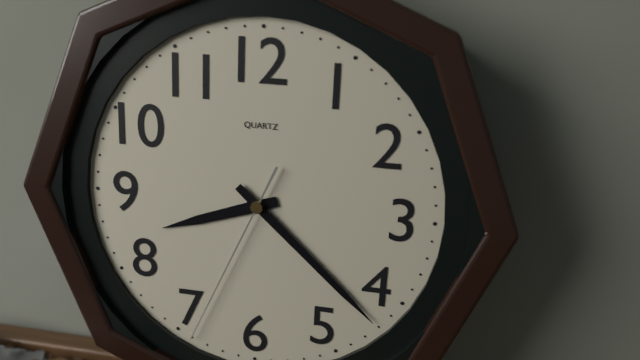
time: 8:22:34
